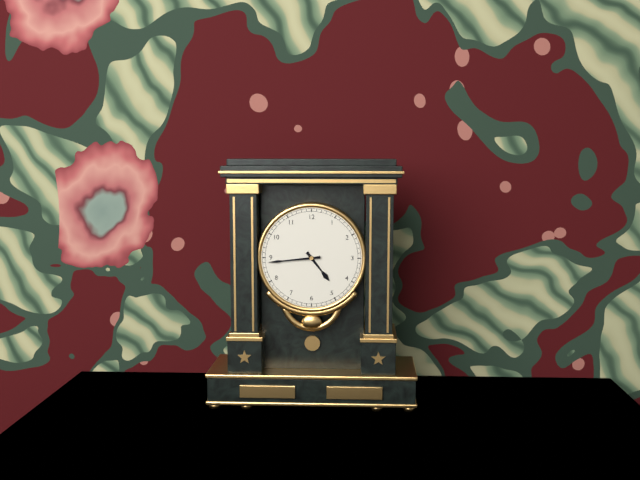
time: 4:44
